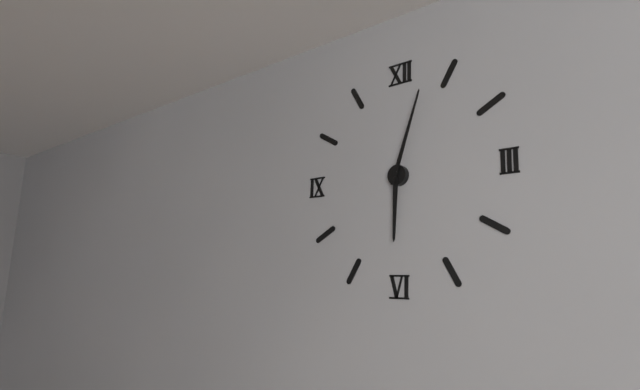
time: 6:03
